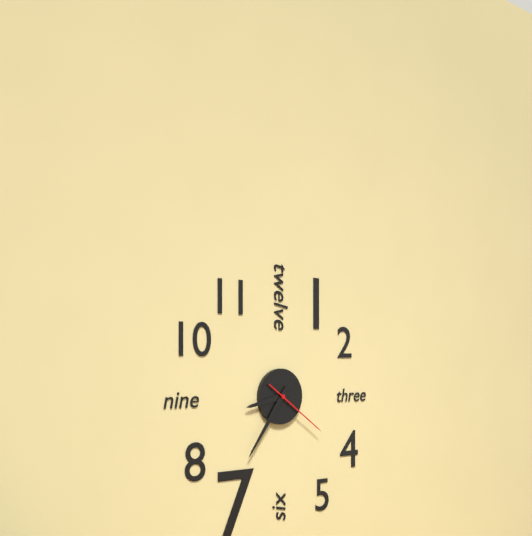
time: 8:36:21
